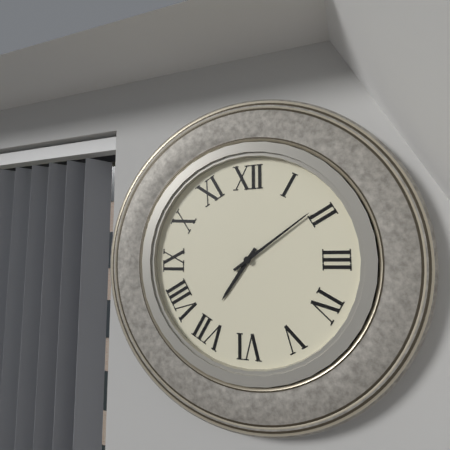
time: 7:09
